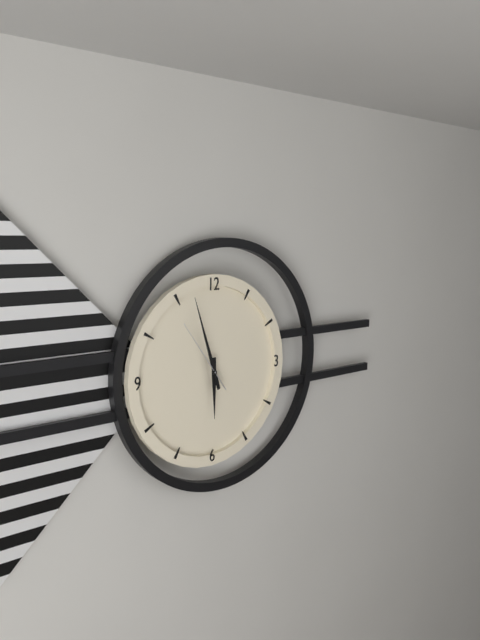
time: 5:57:54
